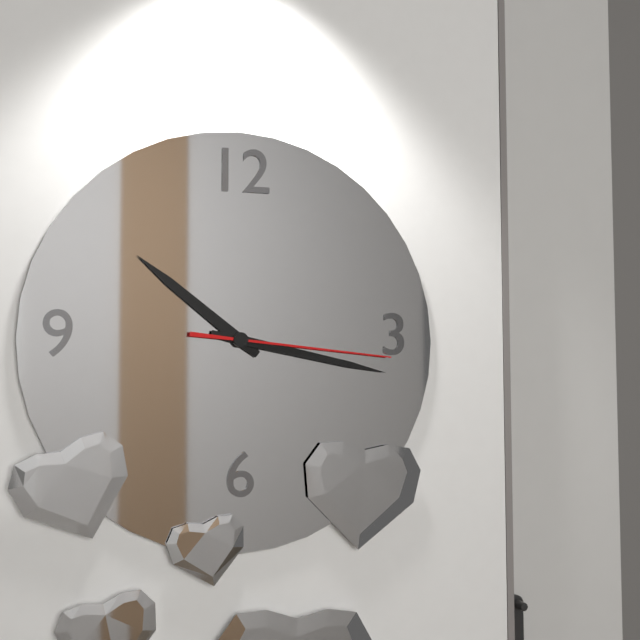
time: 10:17:16
